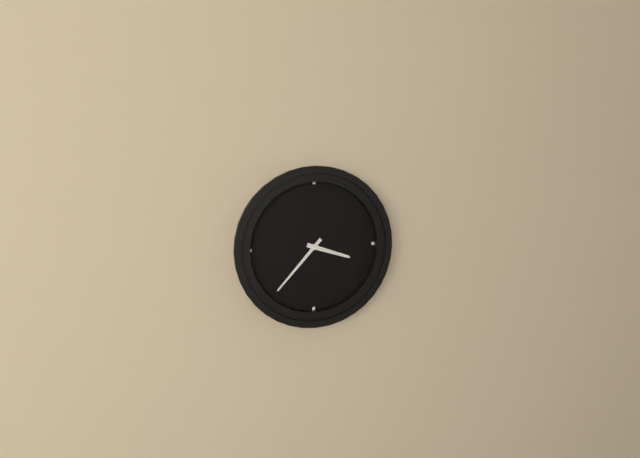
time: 3:37
